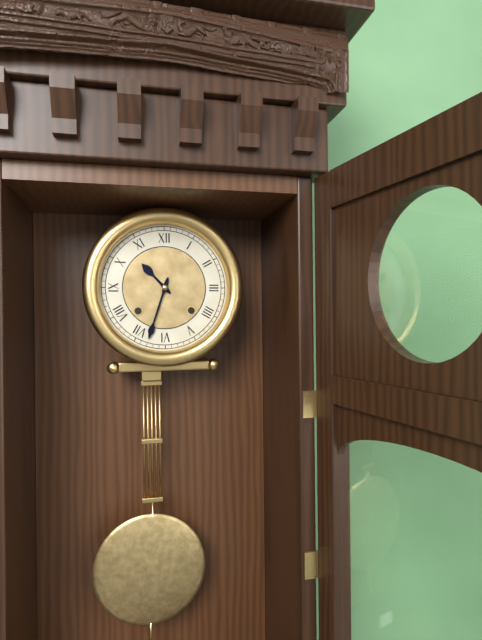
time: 10:33
